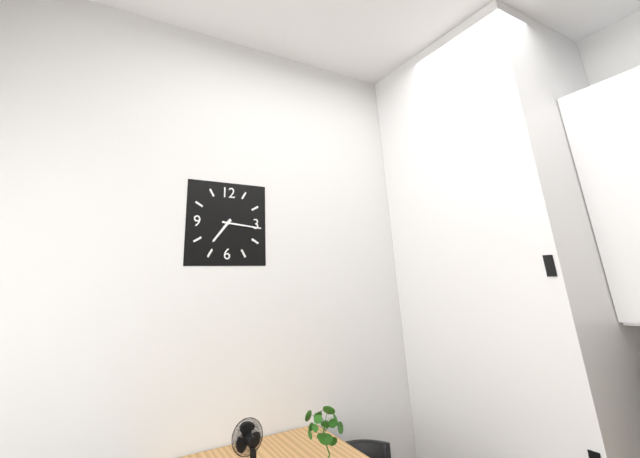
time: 7:16
